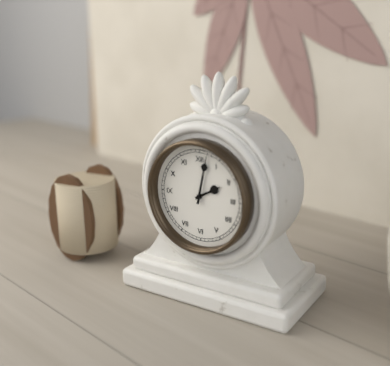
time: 2:02
